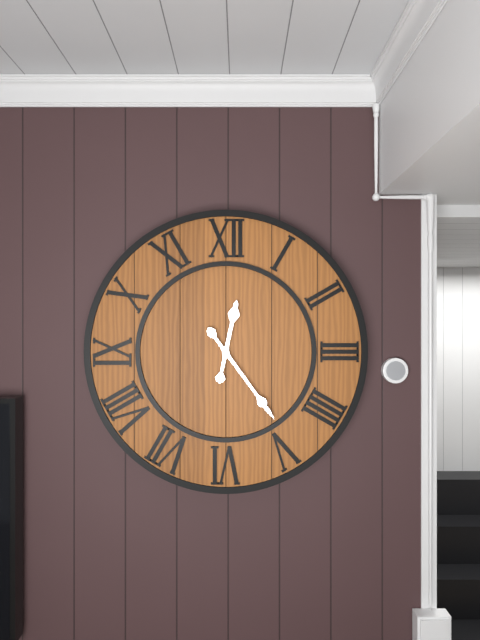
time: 12:24
